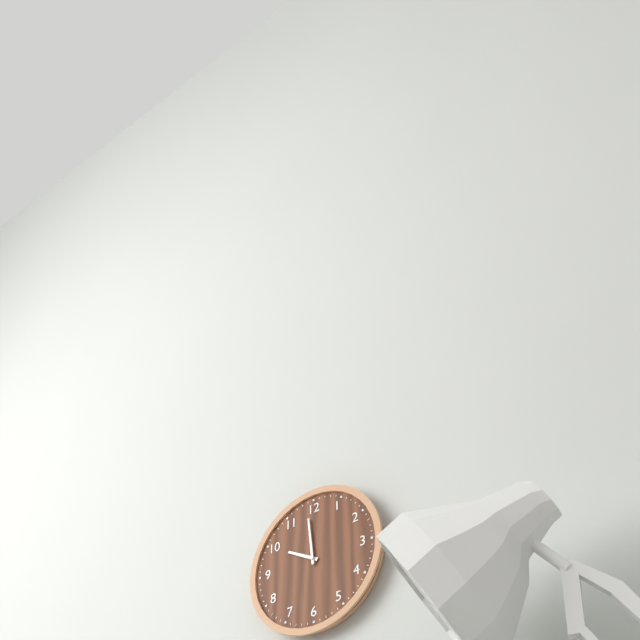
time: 9:59
